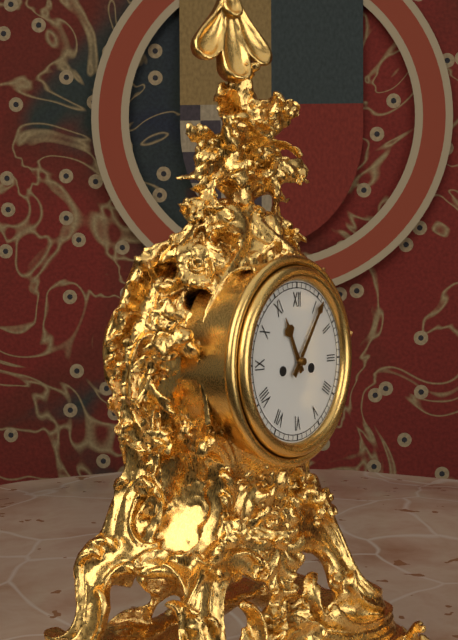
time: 11:06
